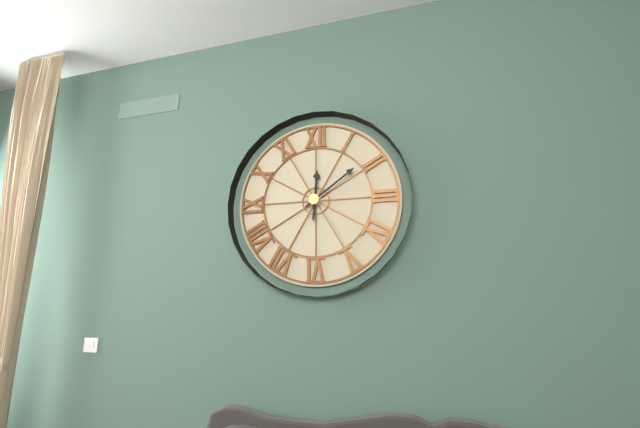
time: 12:09
